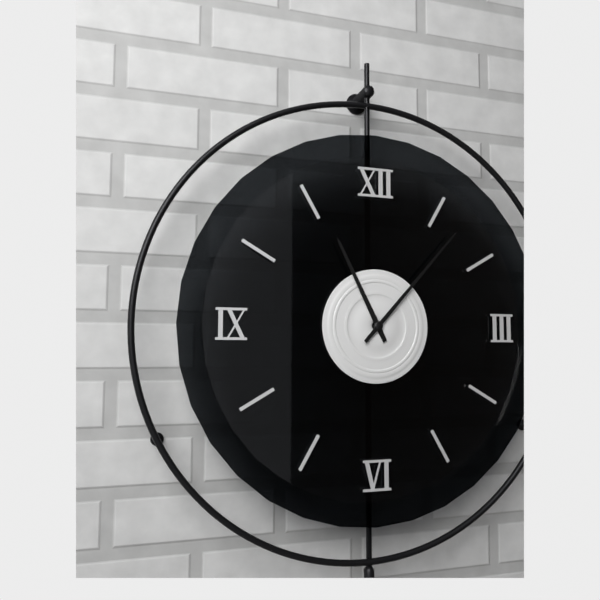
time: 11:07
